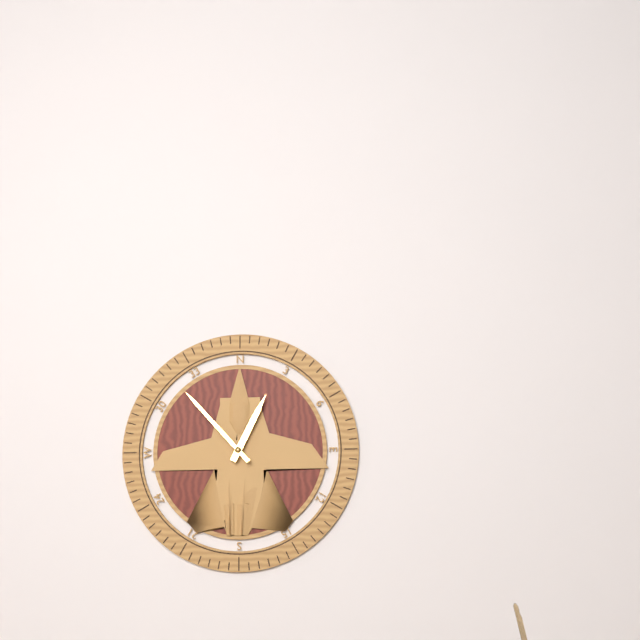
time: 12:53
